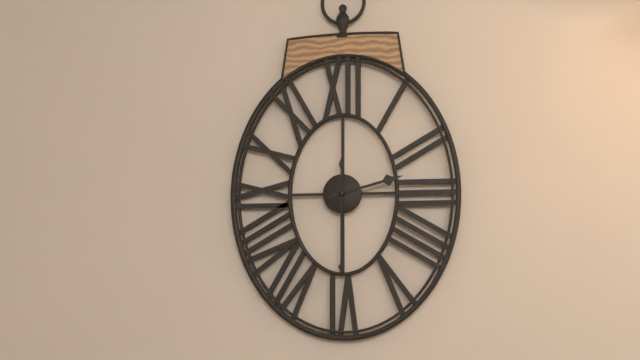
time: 2:30
